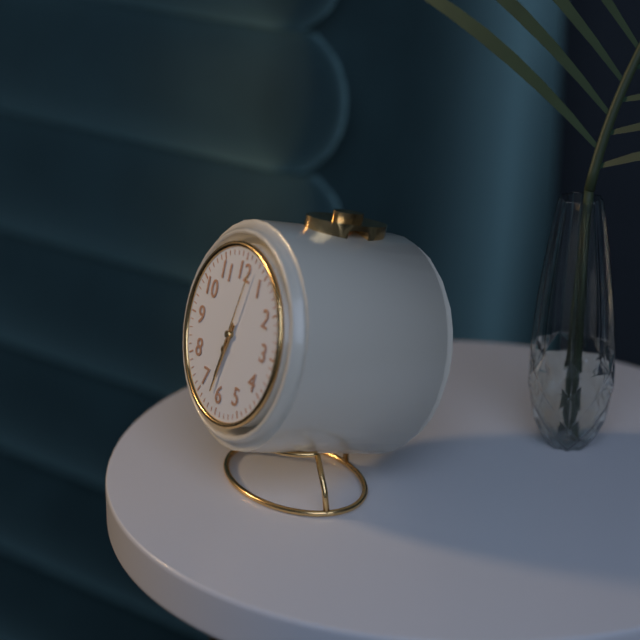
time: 6:32:02
